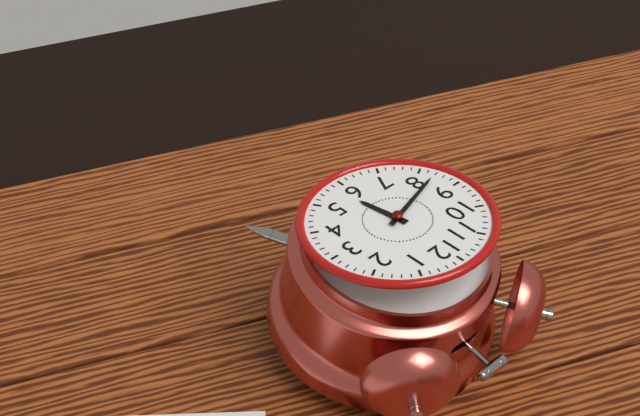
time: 5:42
